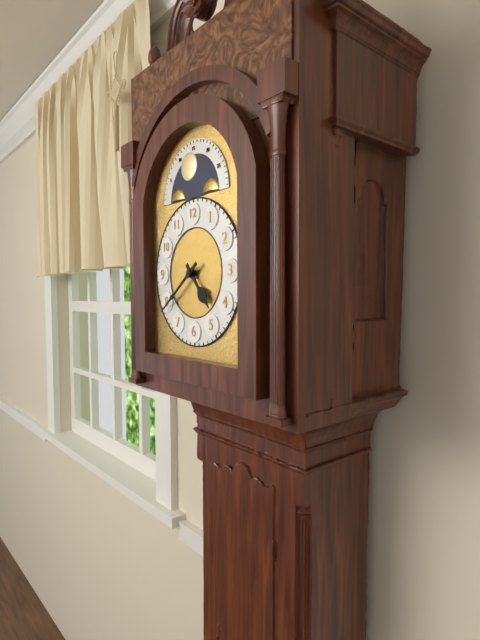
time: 4:39
